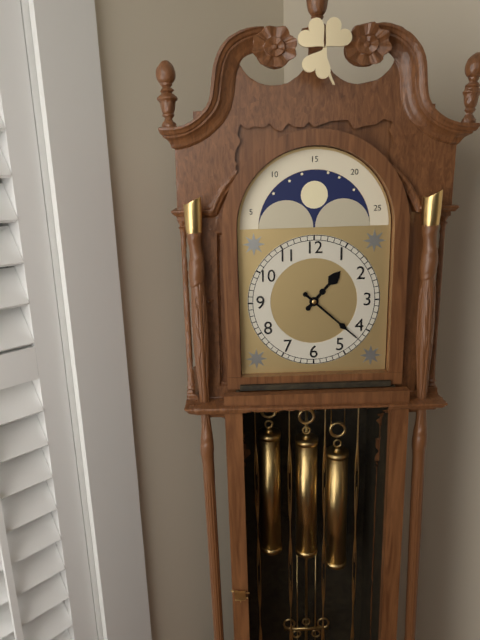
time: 1:22
